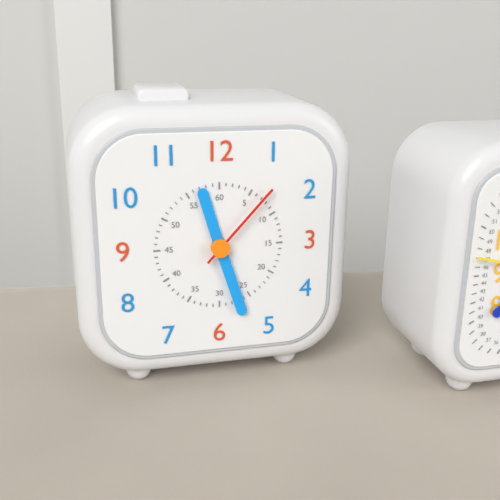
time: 11:27:07
